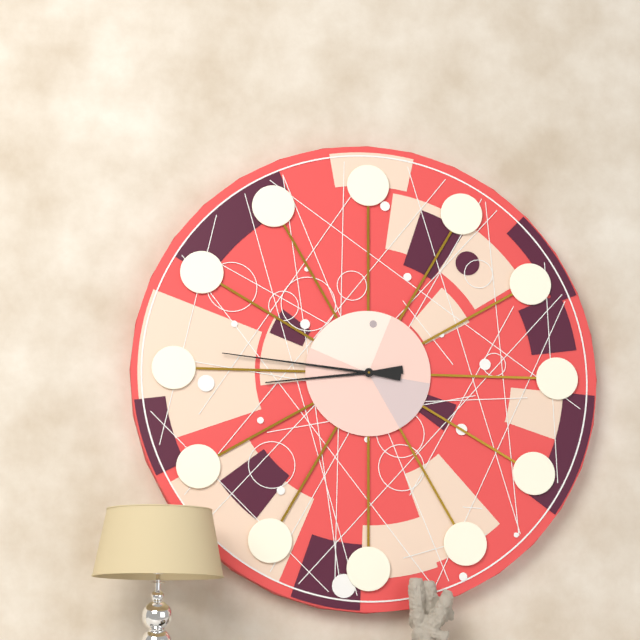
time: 8:46
